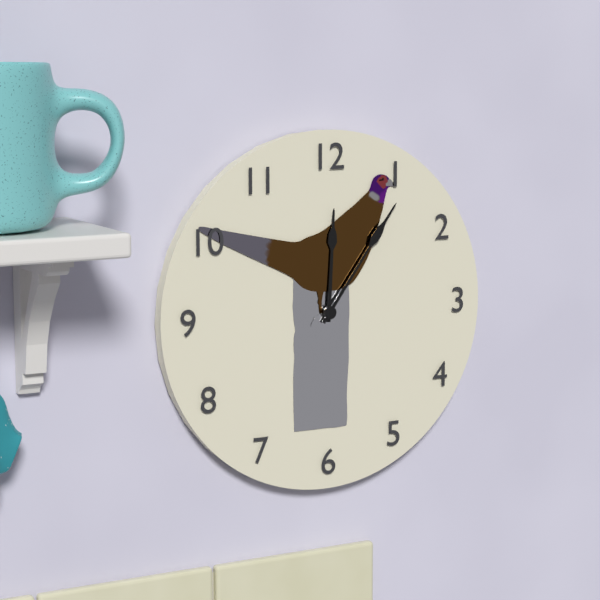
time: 12:06
